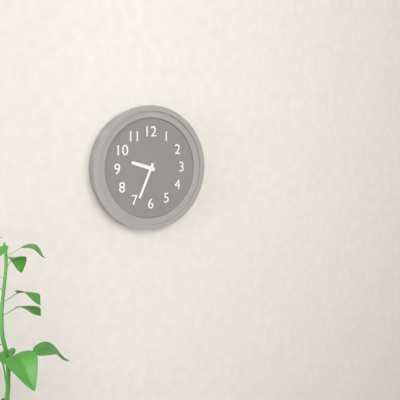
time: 9:34
